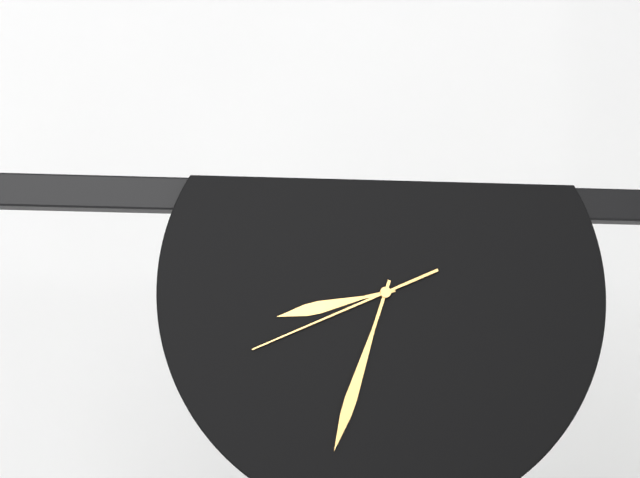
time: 8:33:41
